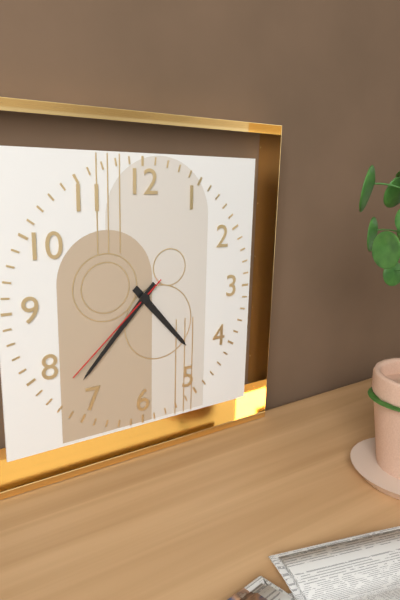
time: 4:37:38
